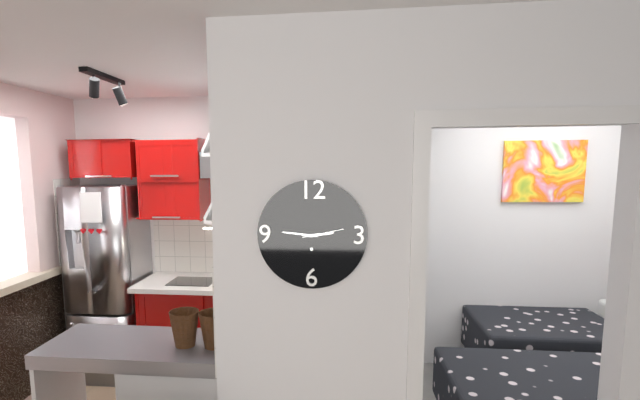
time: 2:46
